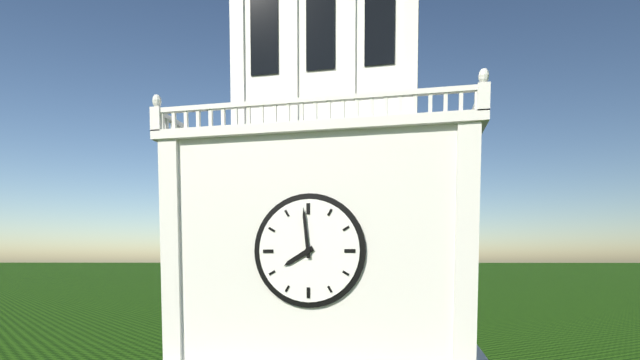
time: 7:59
